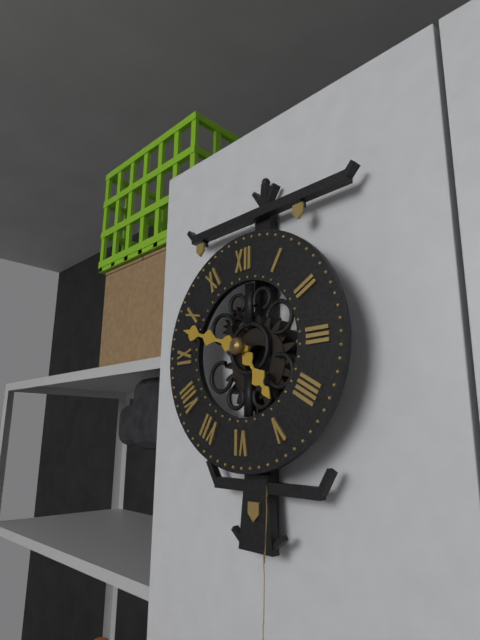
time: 4:48
